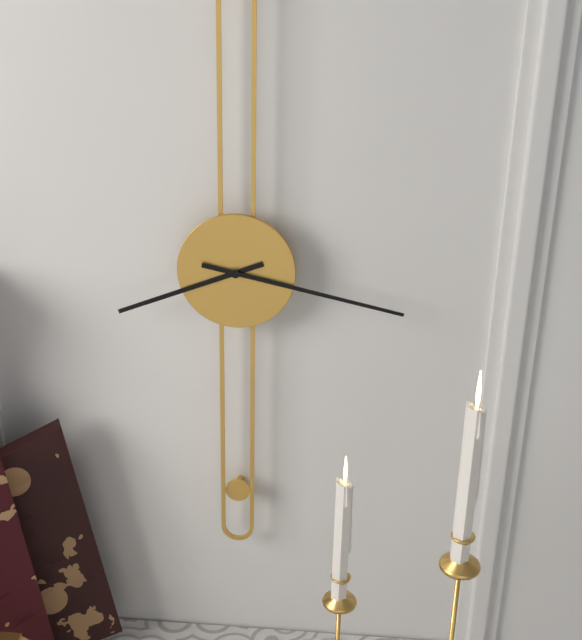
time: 8:17
